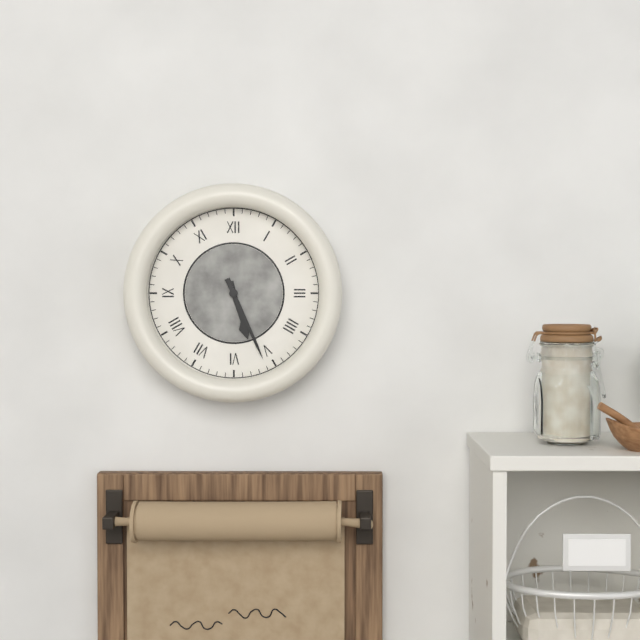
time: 5:26
